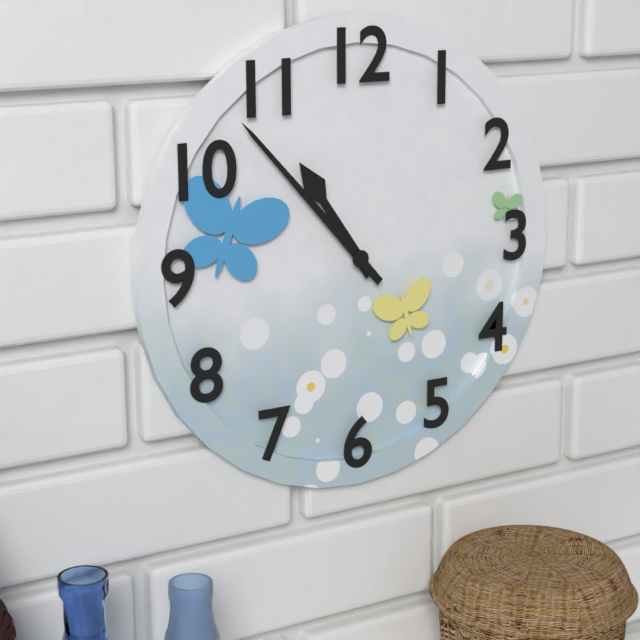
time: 10:53
